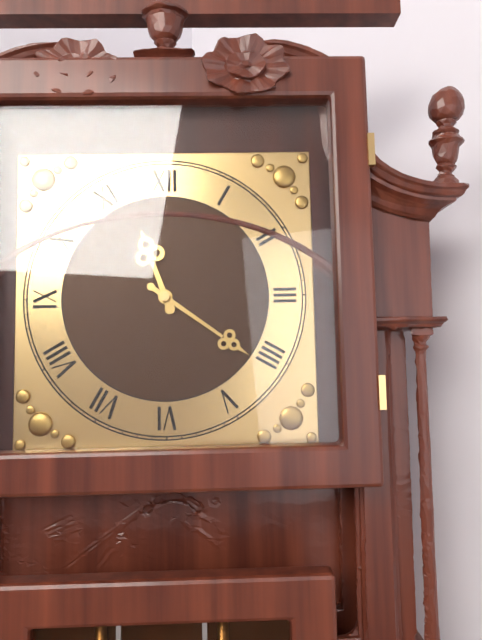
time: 11:21
